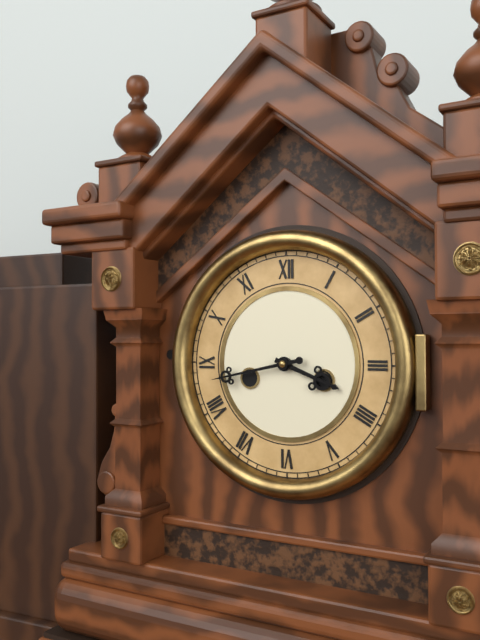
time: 3:43
